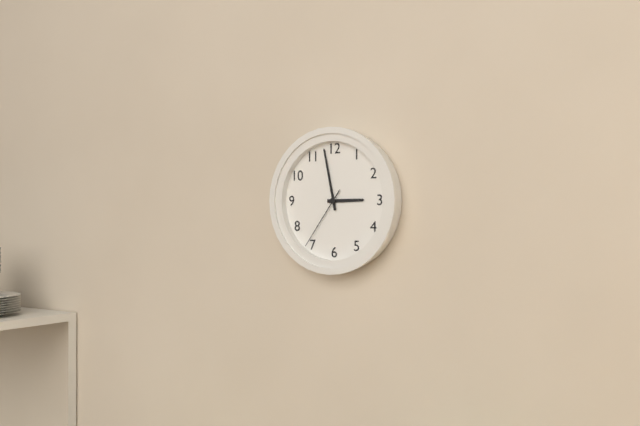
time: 2:58:36
